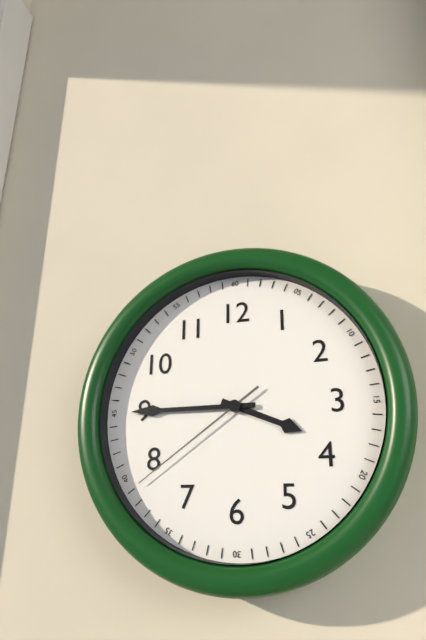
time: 3:45:39
